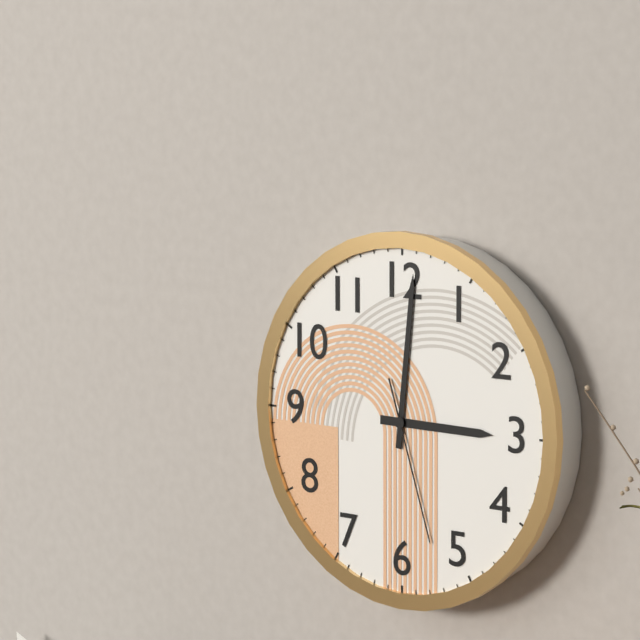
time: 3:01:27
